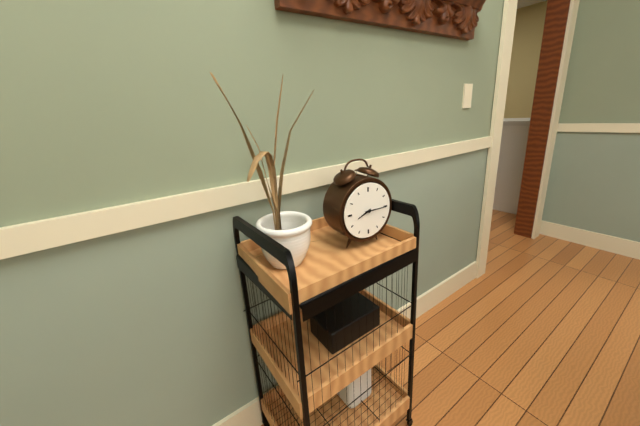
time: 8:15
